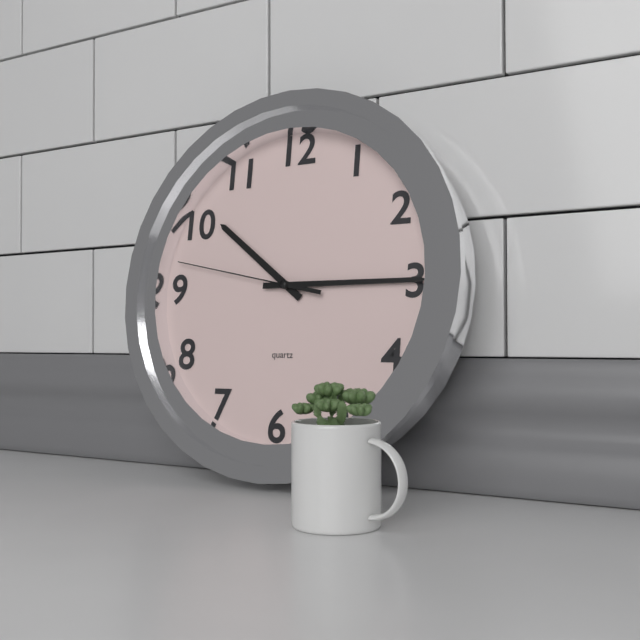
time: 10:15:47
